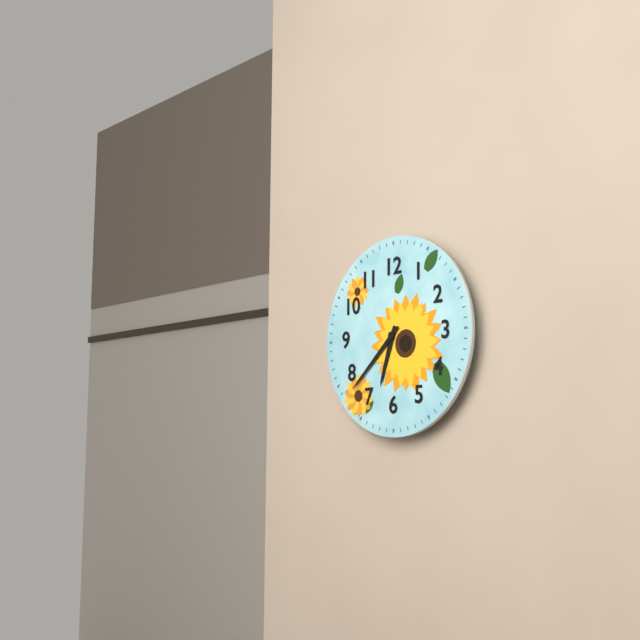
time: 6:38
